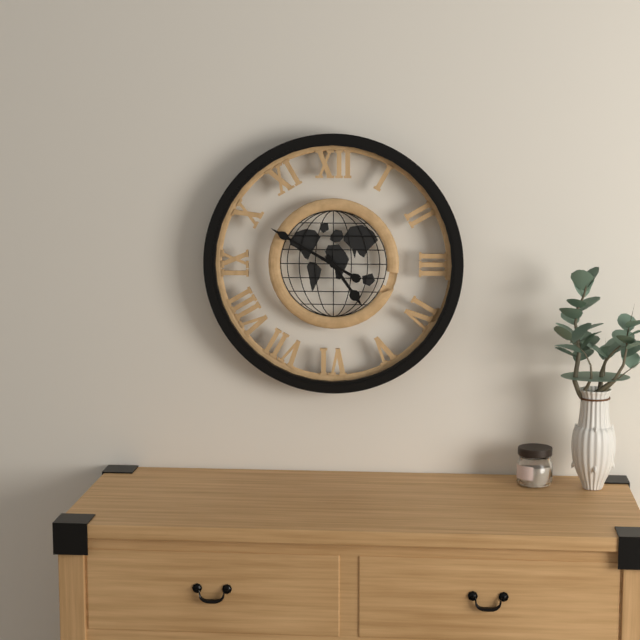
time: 4:50
